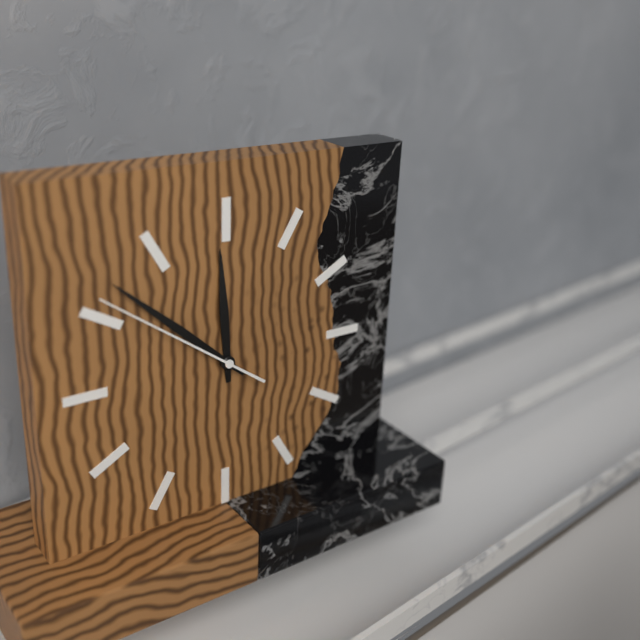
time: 11:52:51
